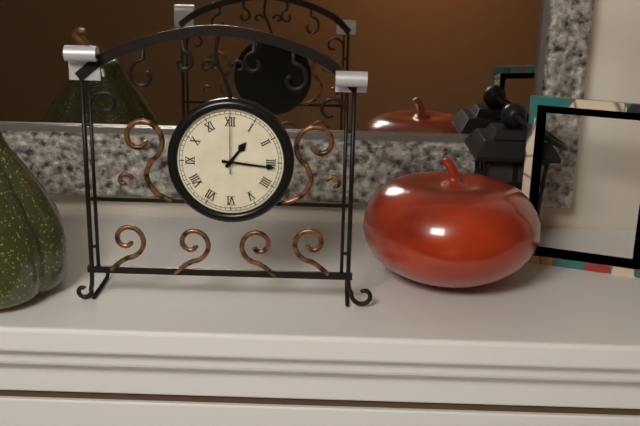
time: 1:16:00
